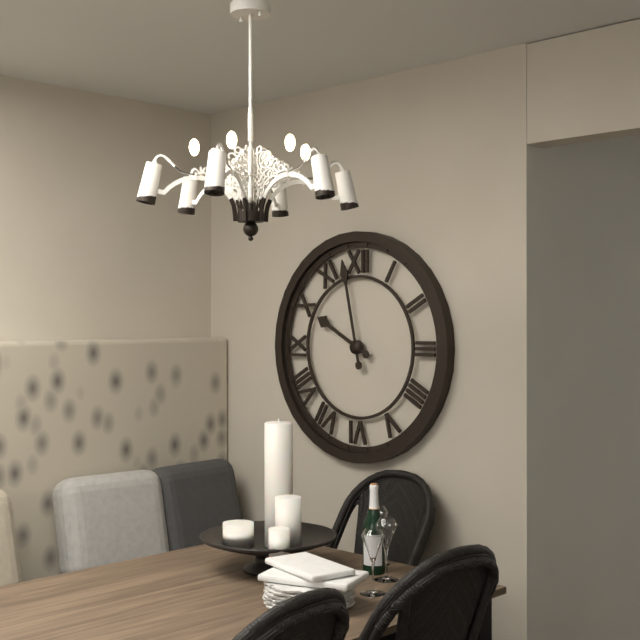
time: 9:58
